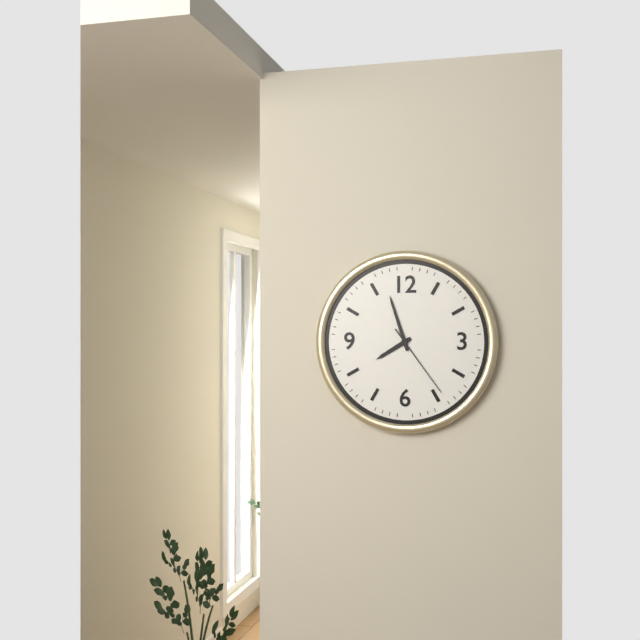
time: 7:57:24
